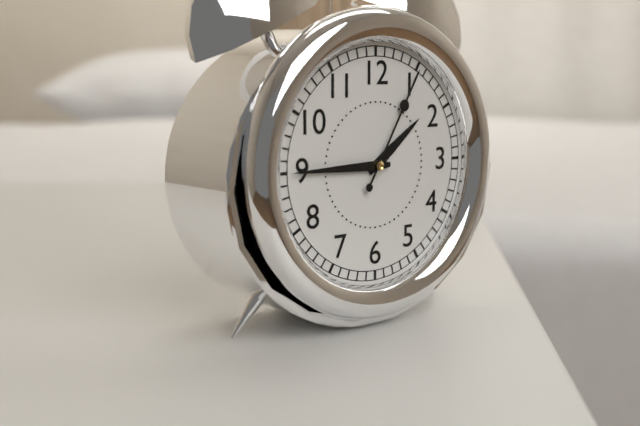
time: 1:45:05
